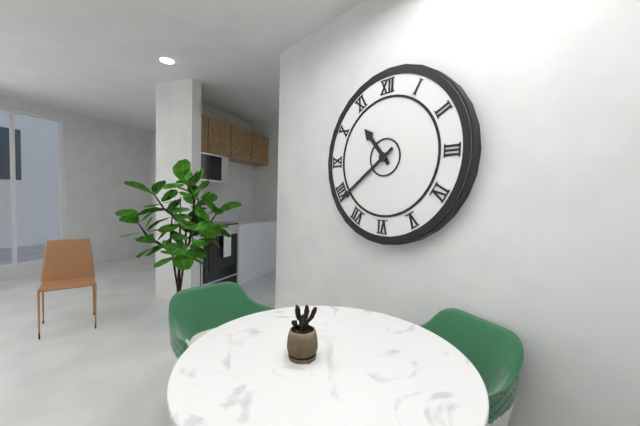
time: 10:39
